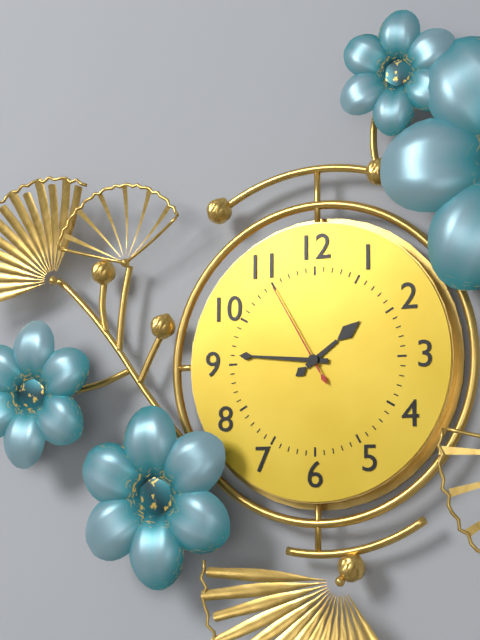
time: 1:46:55
